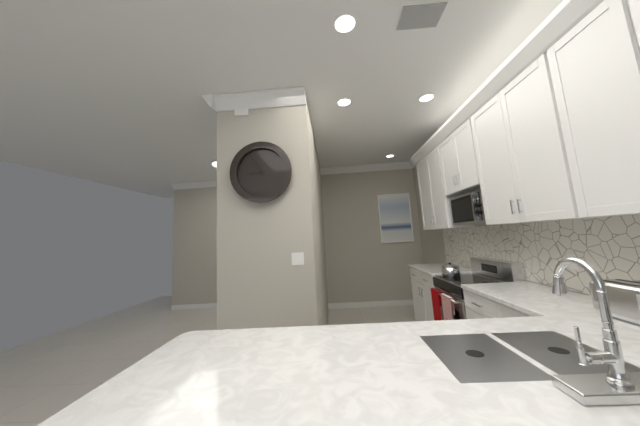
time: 8:55
